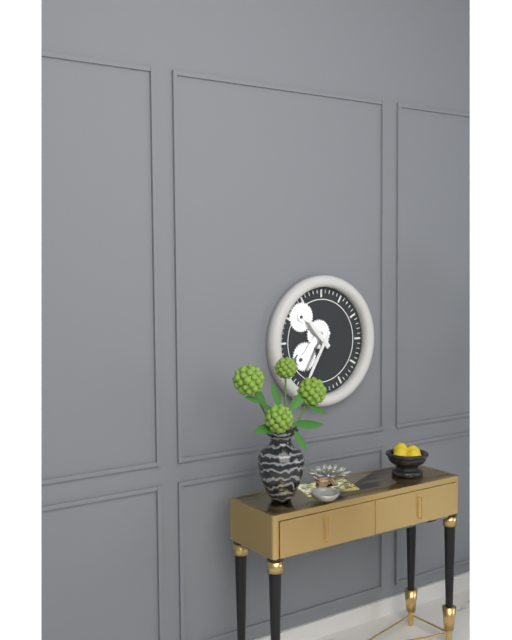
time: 10:35
